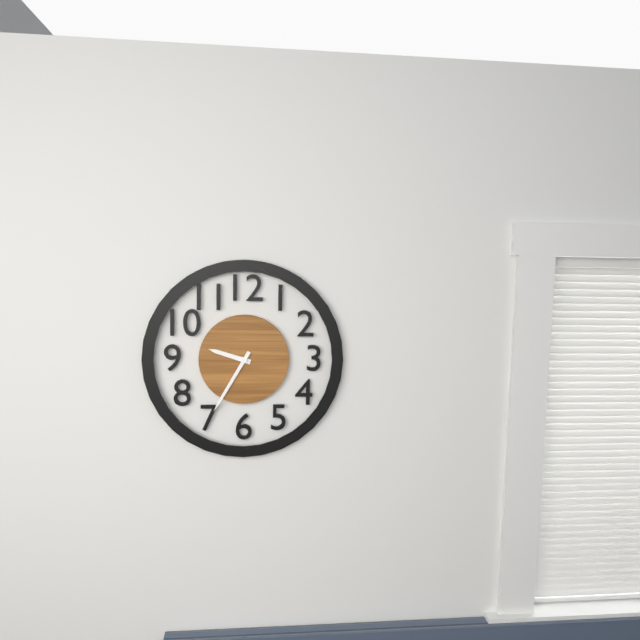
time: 9:35
